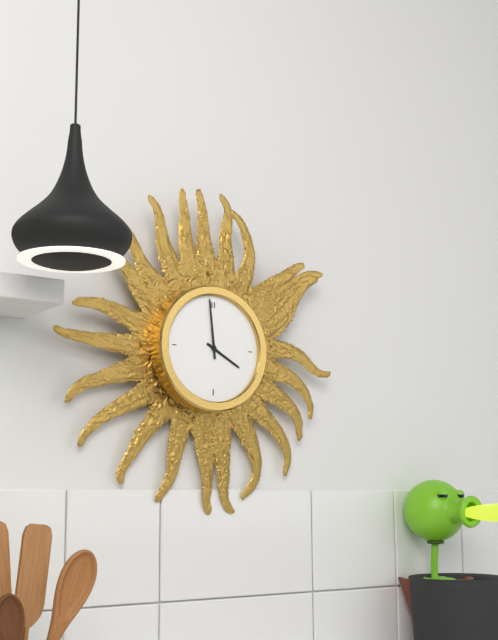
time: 3:59
